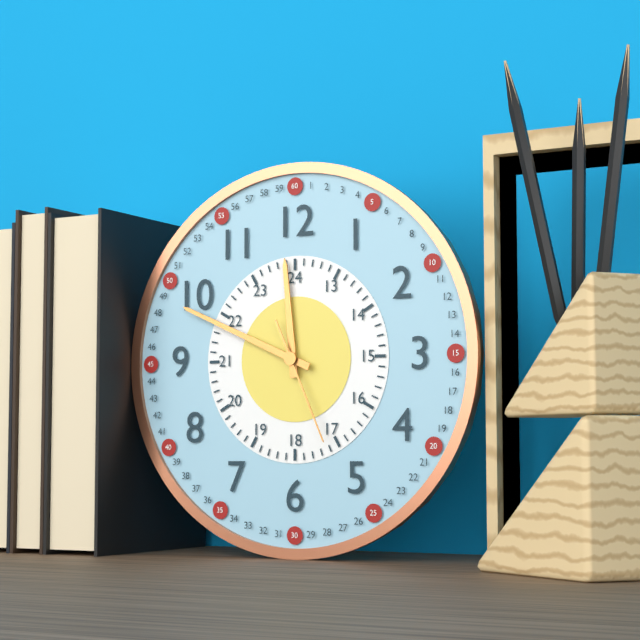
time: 11:49:26
